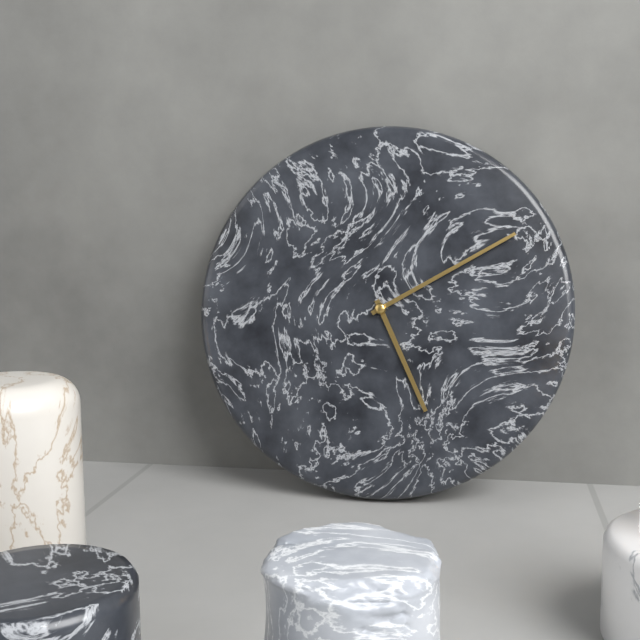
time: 5:10
